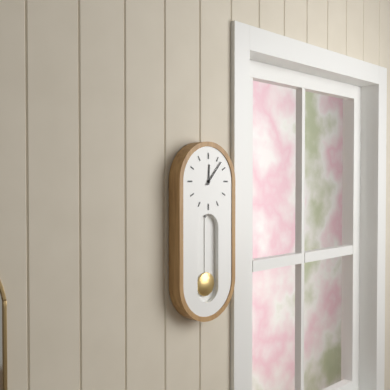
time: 12:07
